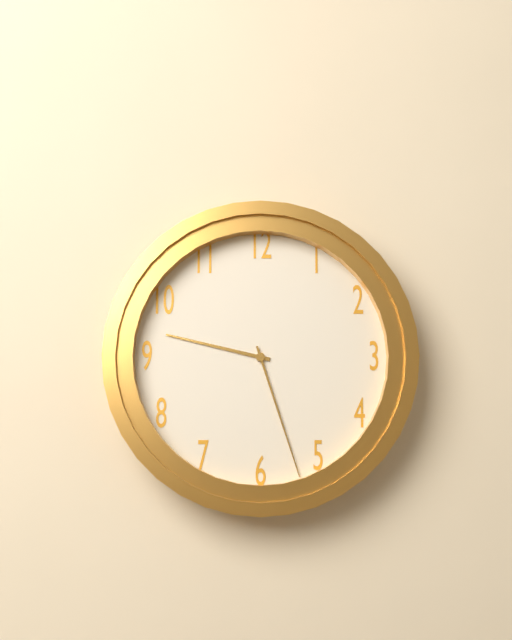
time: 9:27
